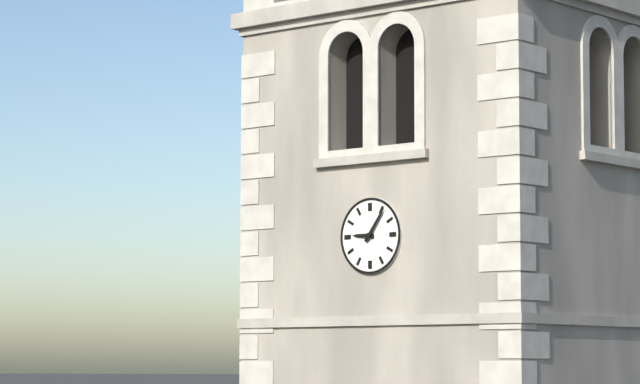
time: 9:06
